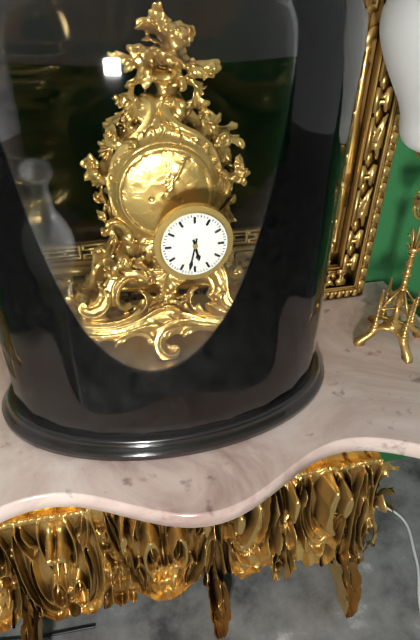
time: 5:32
